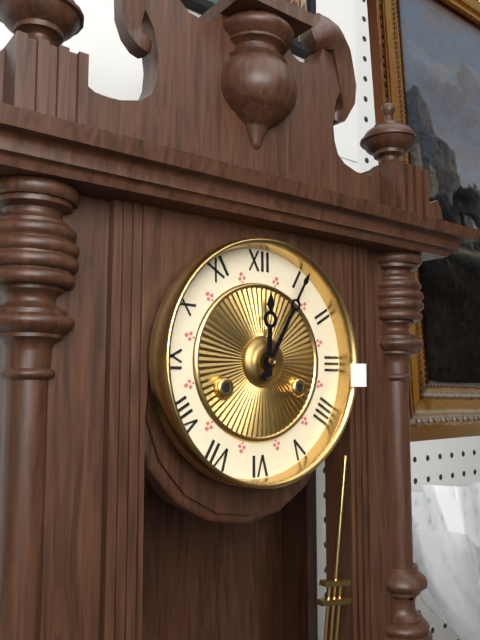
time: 12:05
